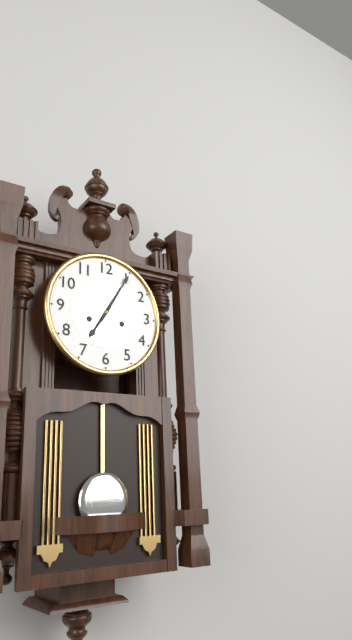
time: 7:05
